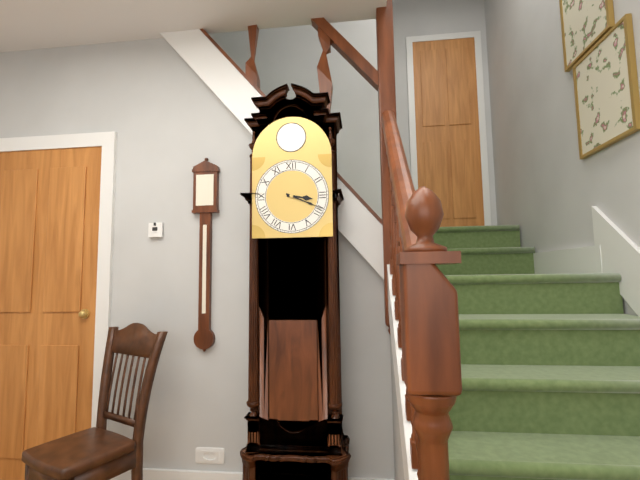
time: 3:19
